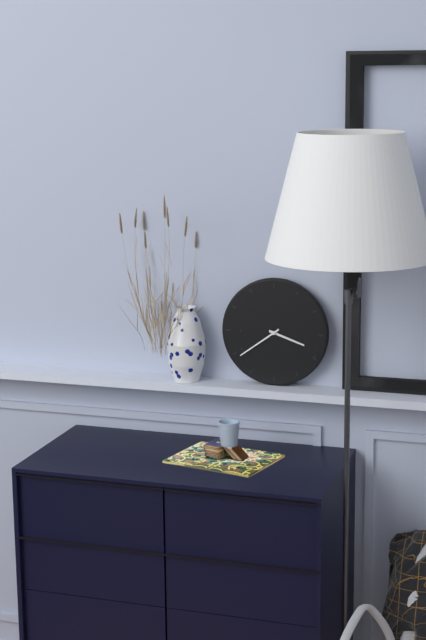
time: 3:39
